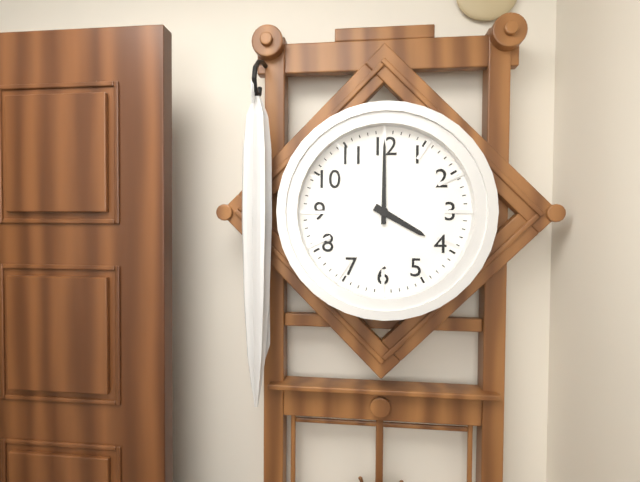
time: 4:00
